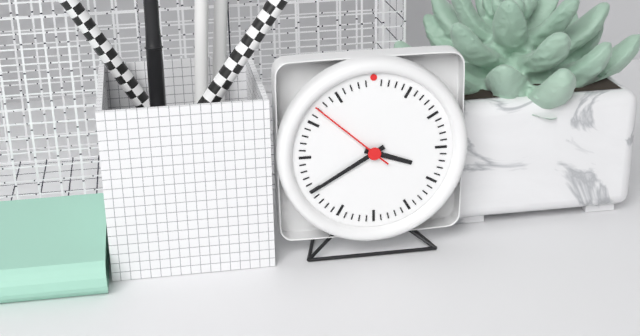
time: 3:40:52
